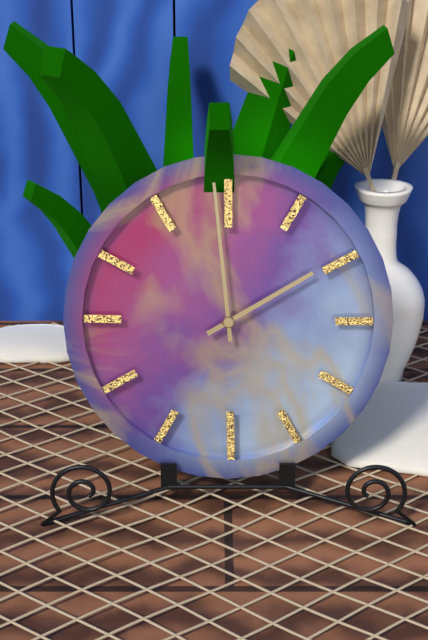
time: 1:59
